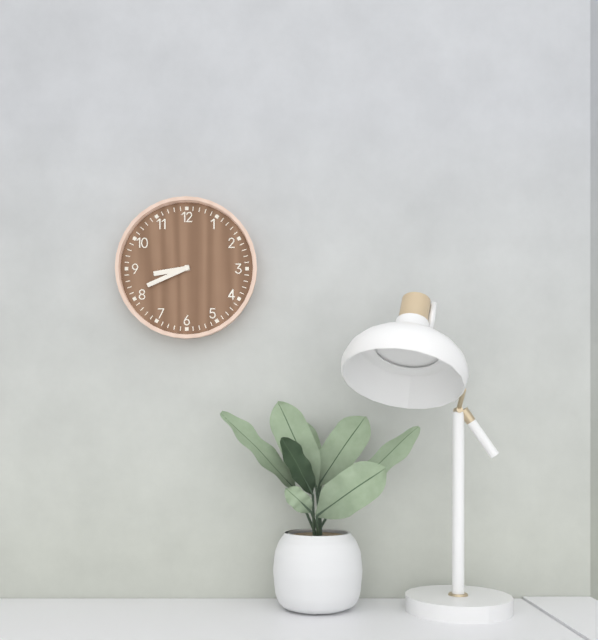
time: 8:41
